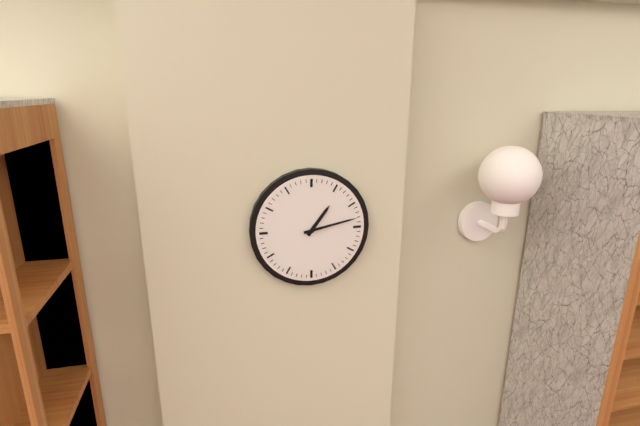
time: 1:13
